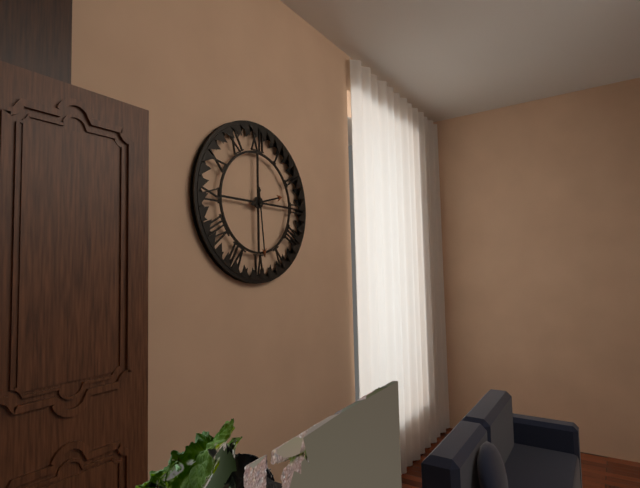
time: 2:29
